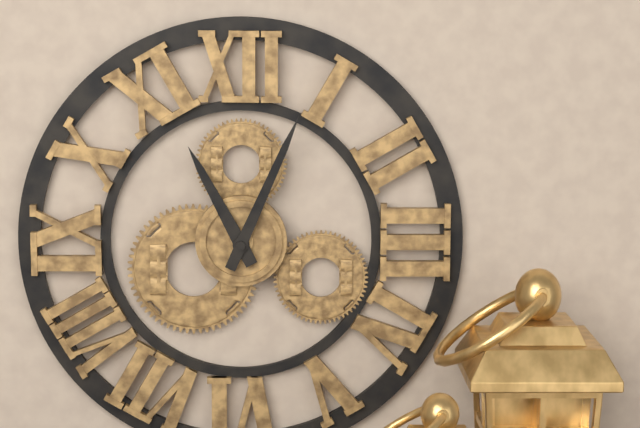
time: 11:04
